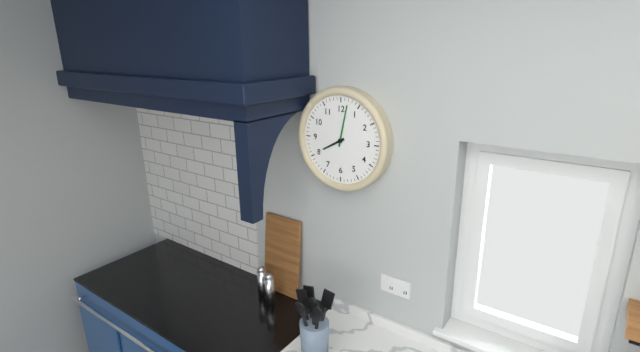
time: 8:02
